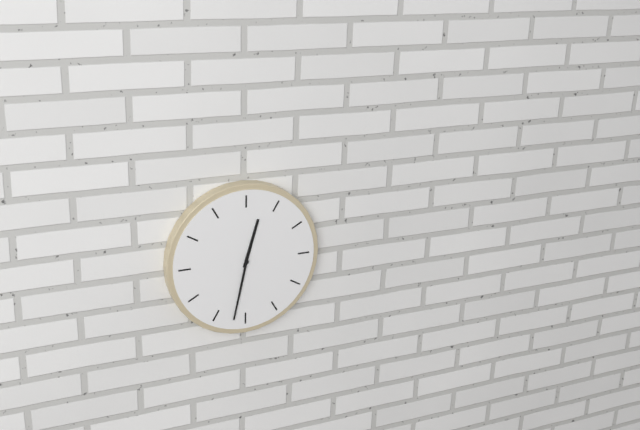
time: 12:32
